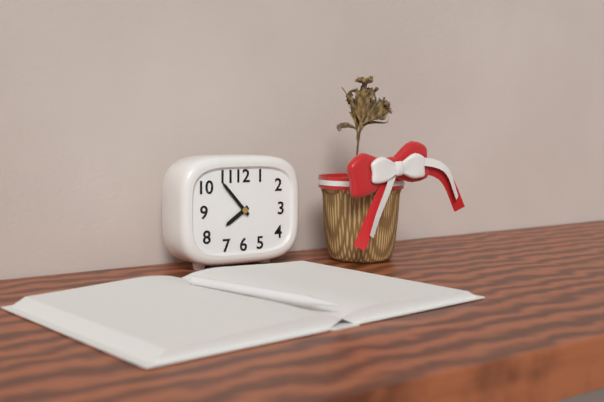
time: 7:53
